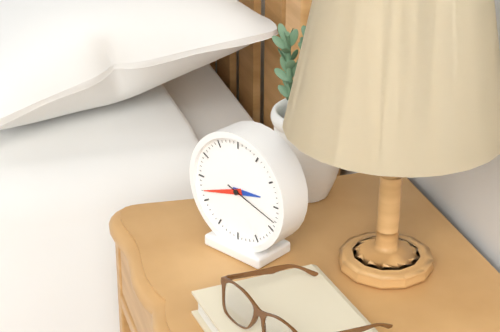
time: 2:42:18
